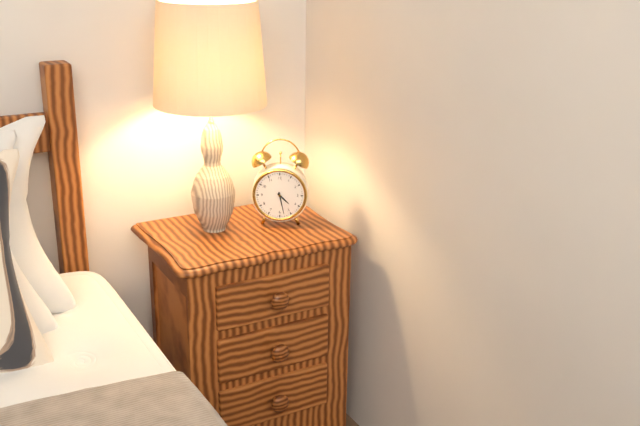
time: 4:28
